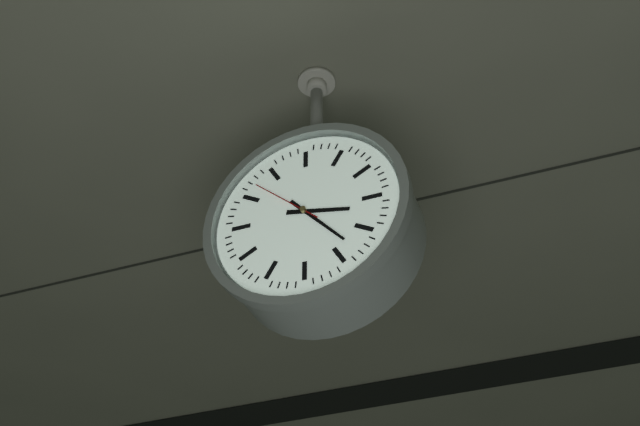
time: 3:23:52
